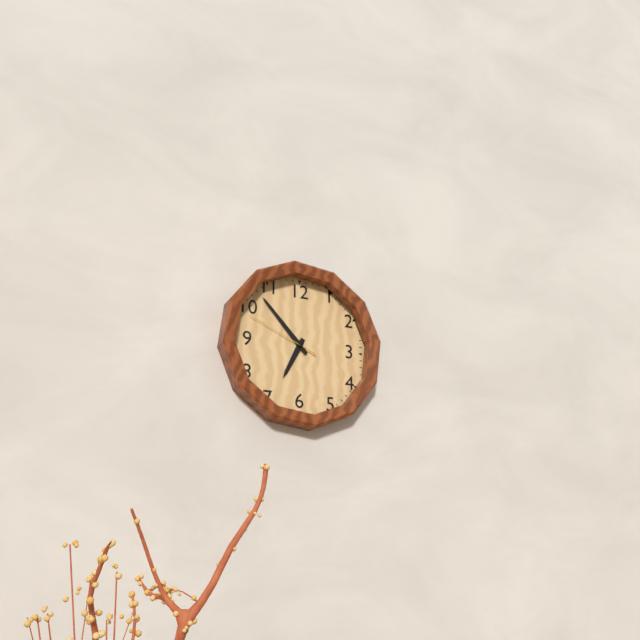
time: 6:53:49
